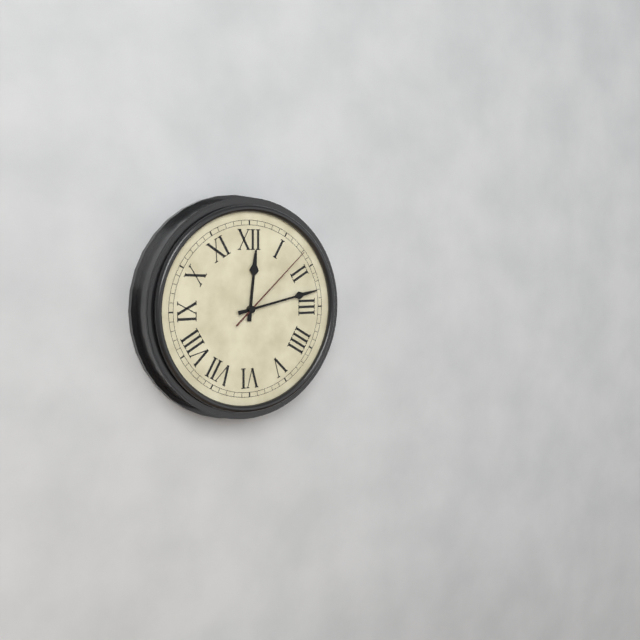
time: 12:13:08
